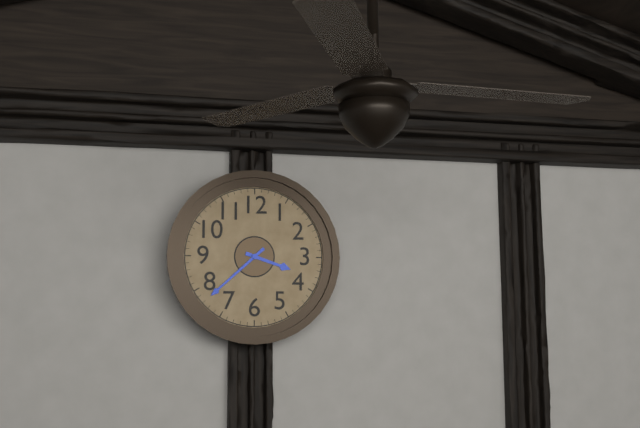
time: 3:38
